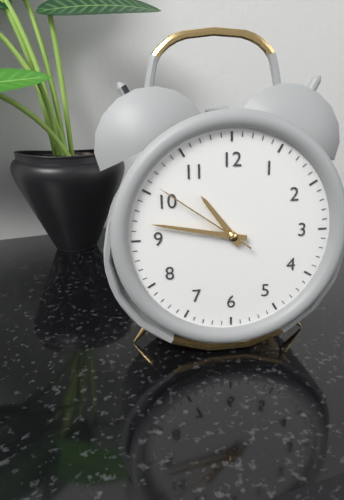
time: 10:47:51
